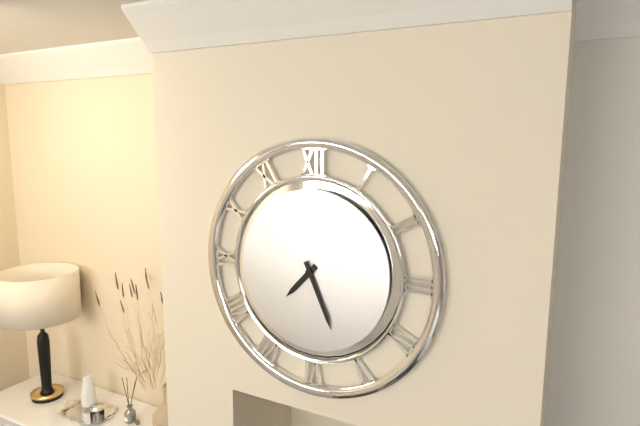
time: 7:26
